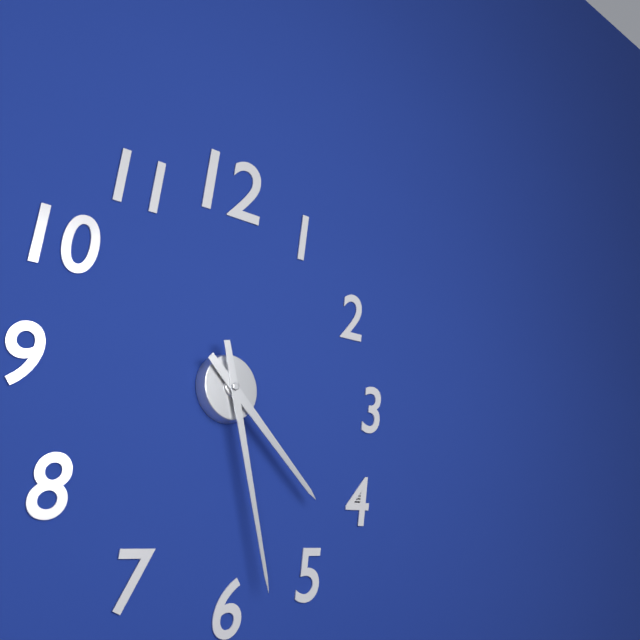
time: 4:28
